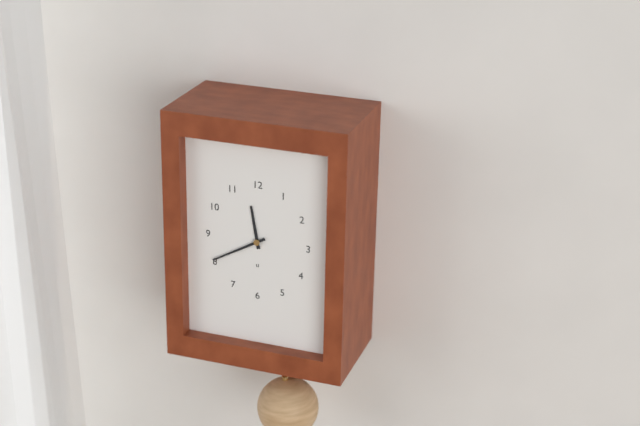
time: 11:40
